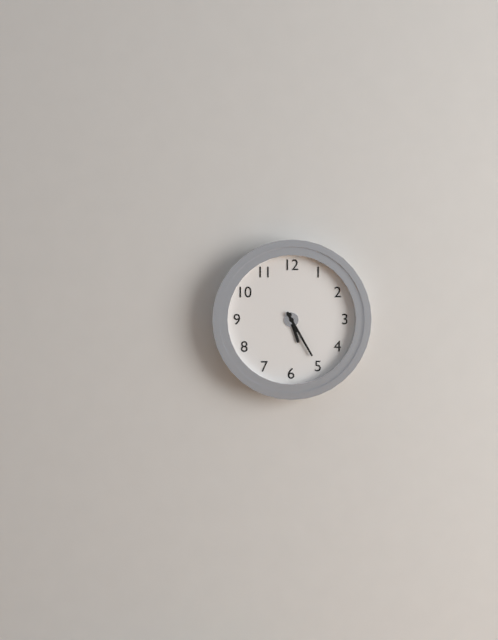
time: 5:25
